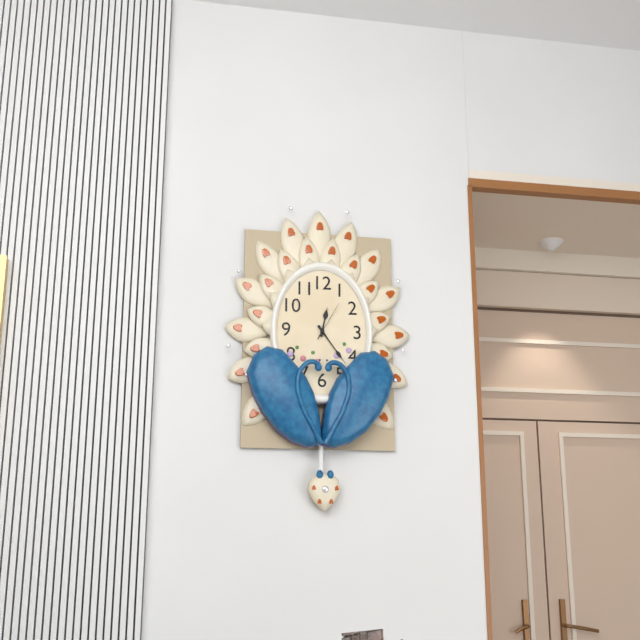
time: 12:24
